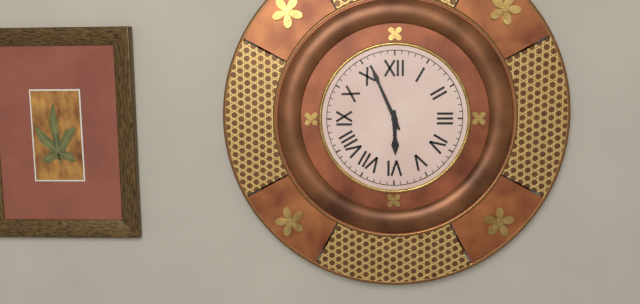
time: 5:56
